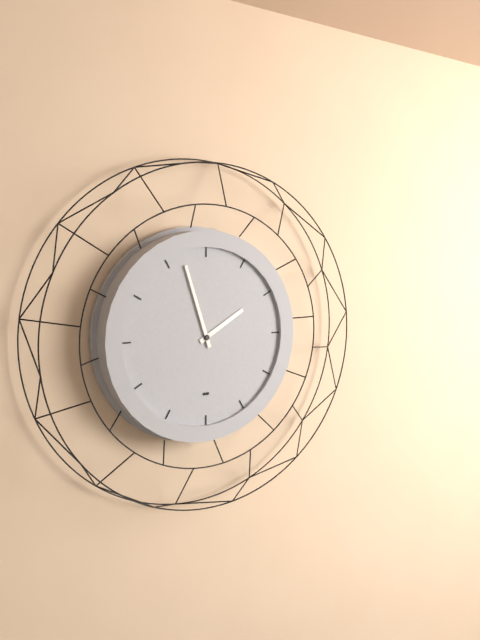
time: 1:57
